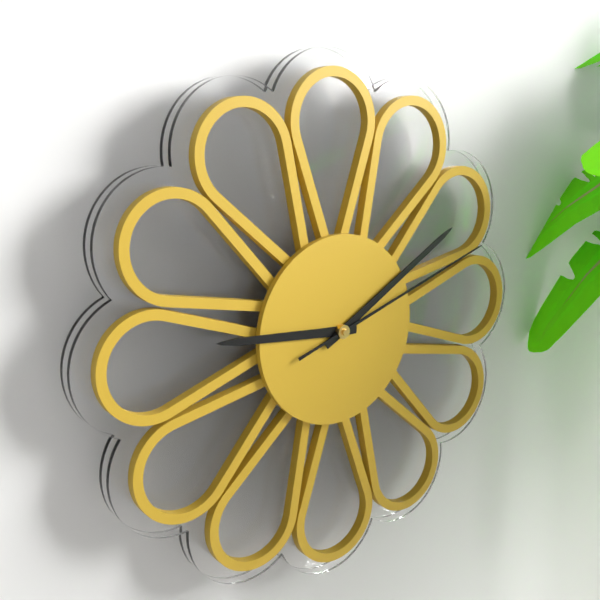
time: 9:10:12
